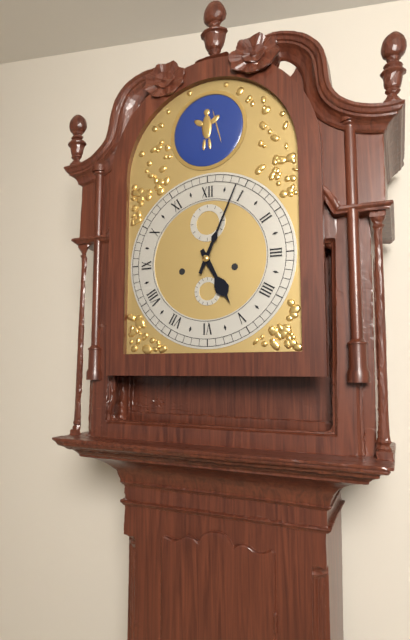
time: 5:04
